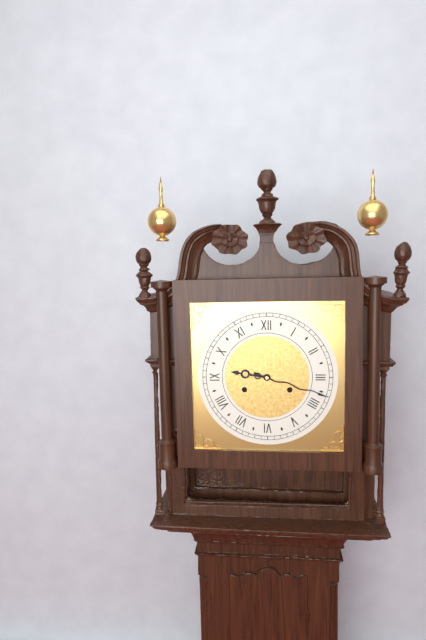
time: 9:18
